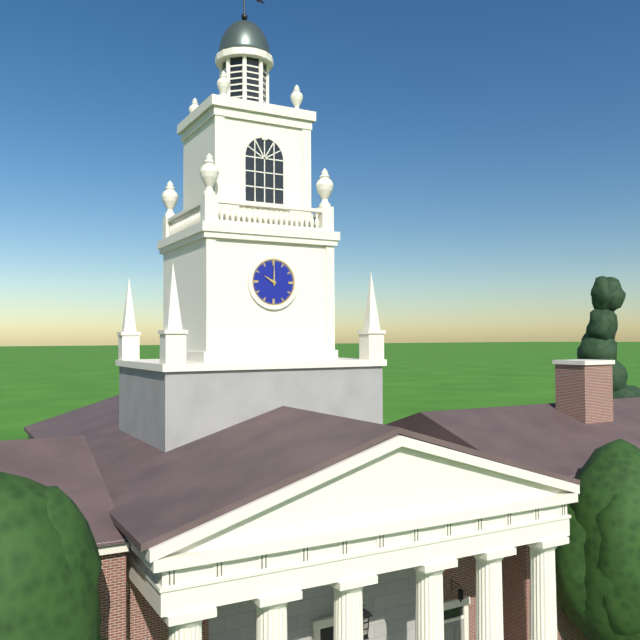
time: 10:00
